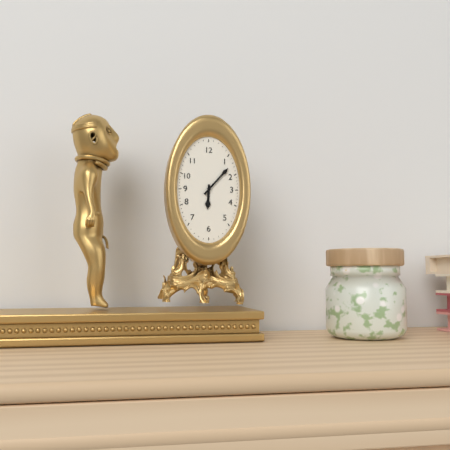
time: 6:07
